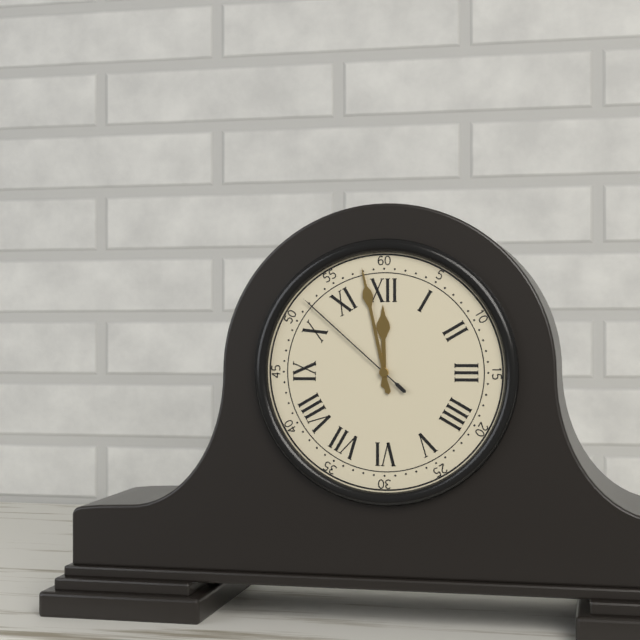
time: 11:58:52
